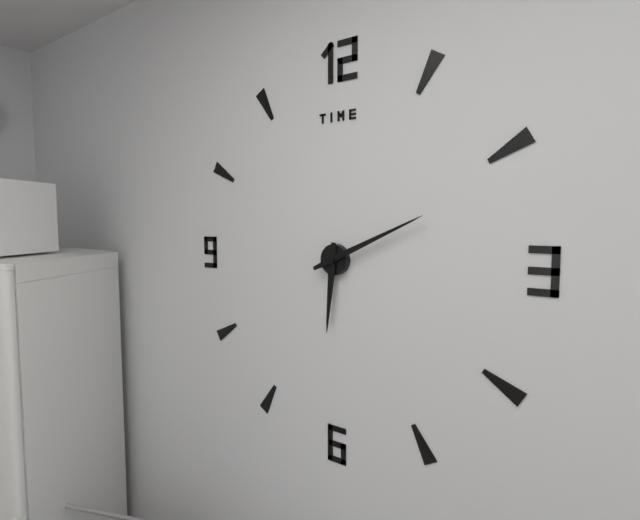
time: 6:11
